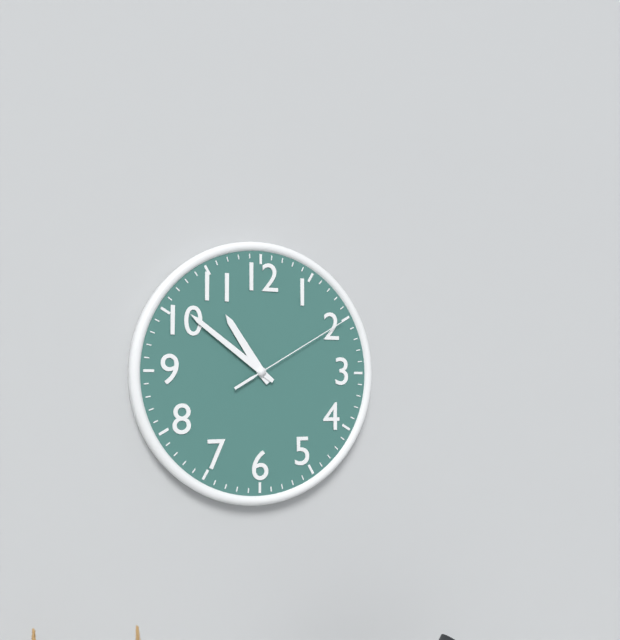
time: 10:51:10
